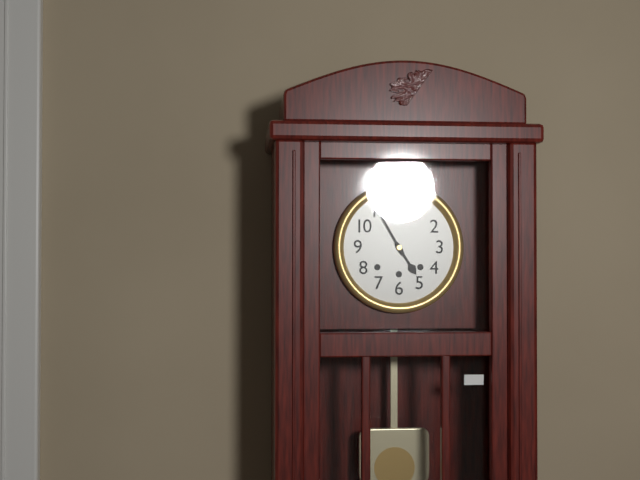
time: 4:55
